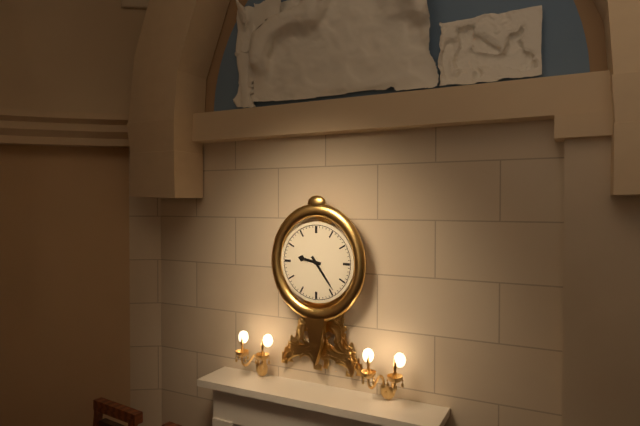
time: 9:24
